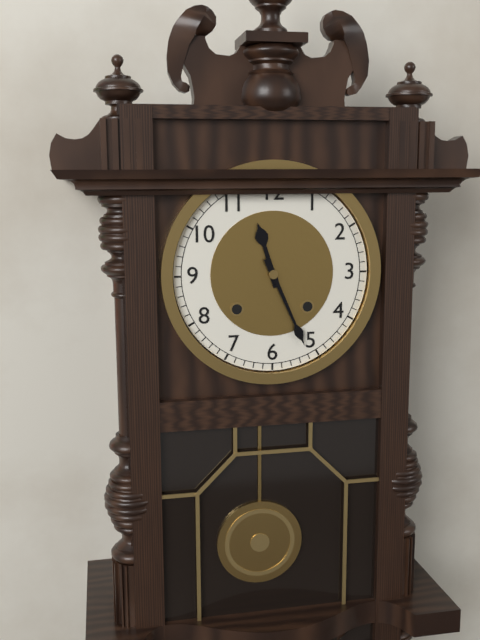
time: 11:26
